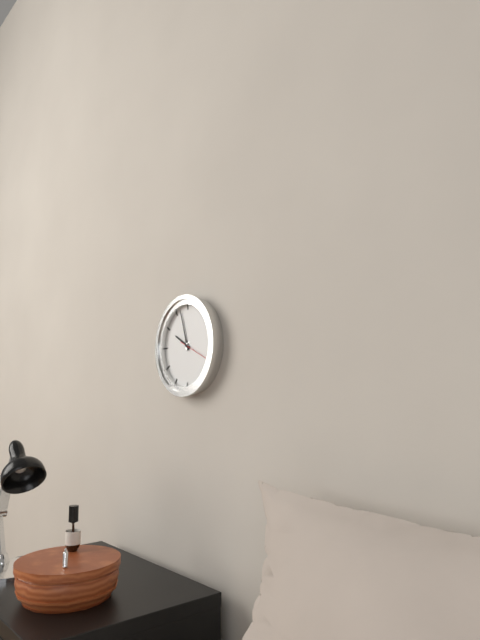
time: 9:57
